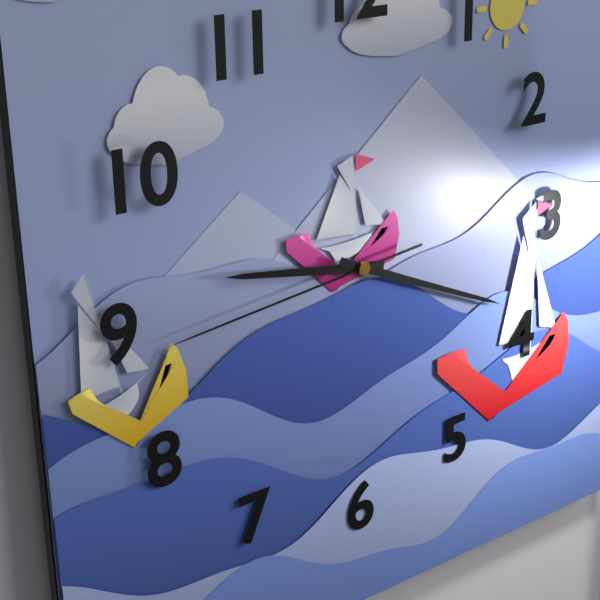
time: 9:19:44
